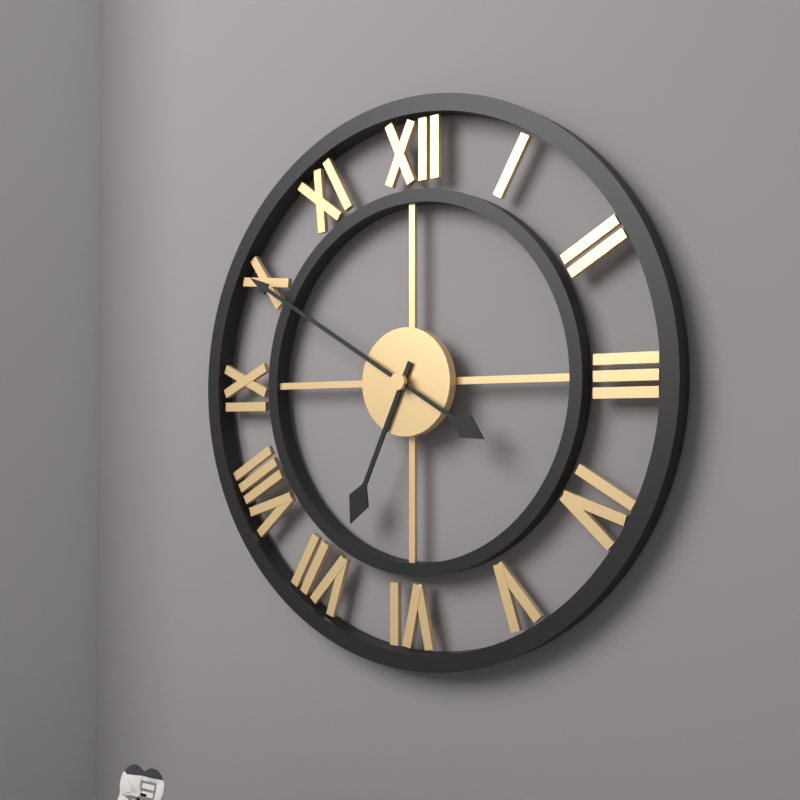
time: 6:50
